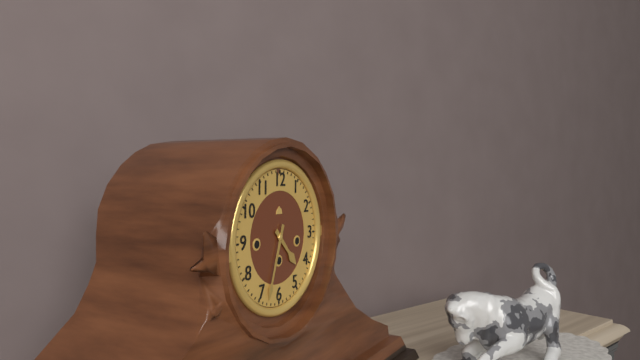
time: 4:33
